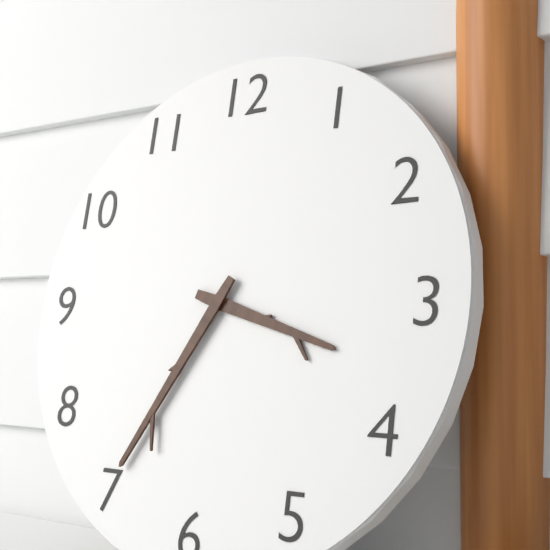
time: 3:35
